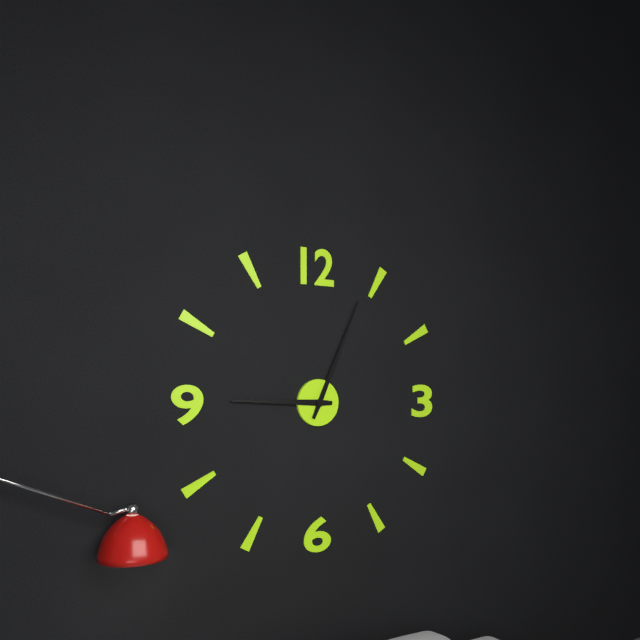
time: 9:04
